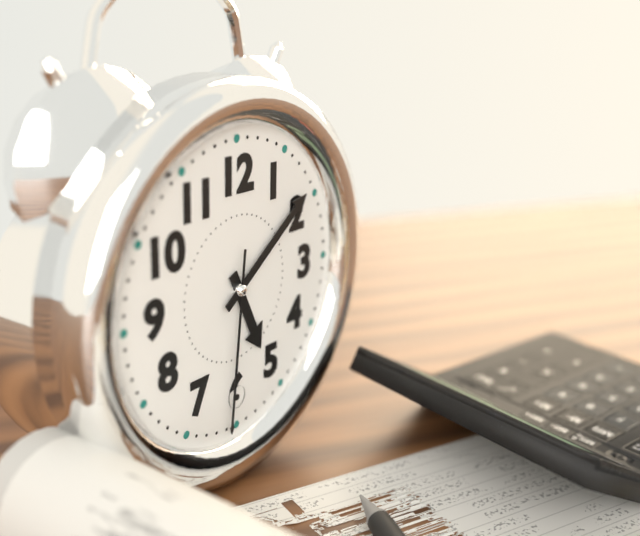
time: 5:09:31
